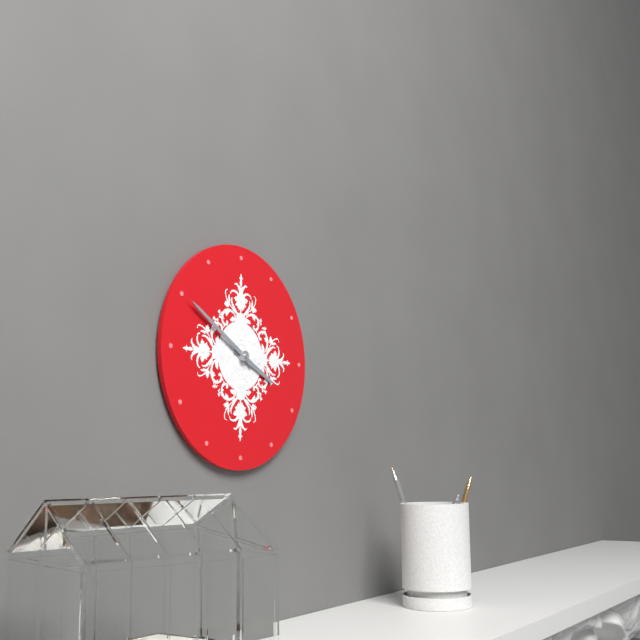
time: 3:50
